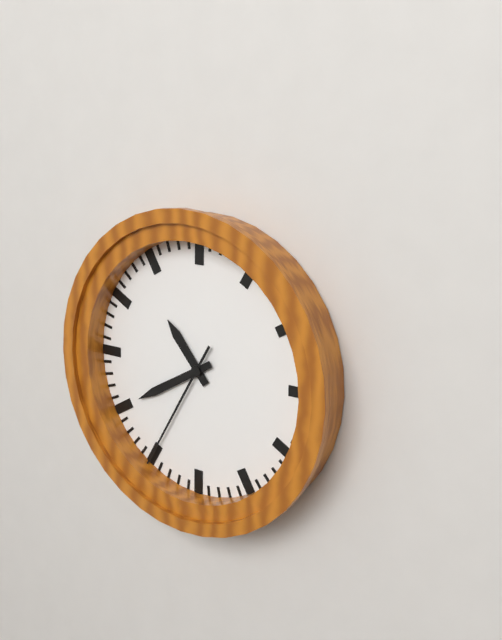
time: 10:40:35
